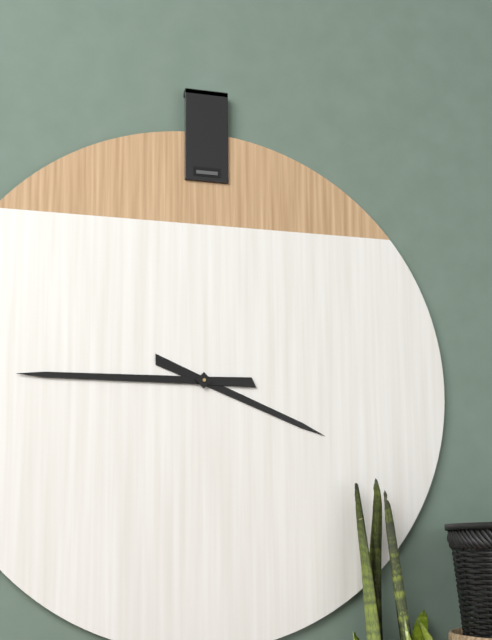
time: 3:45
